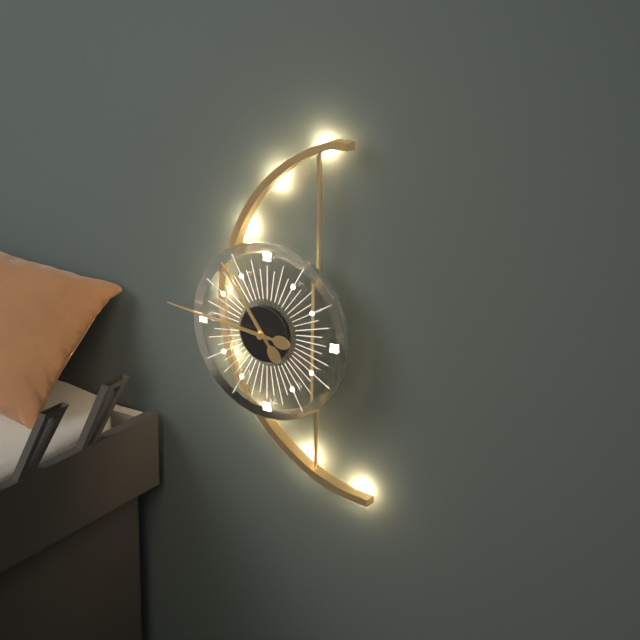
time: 10:46
